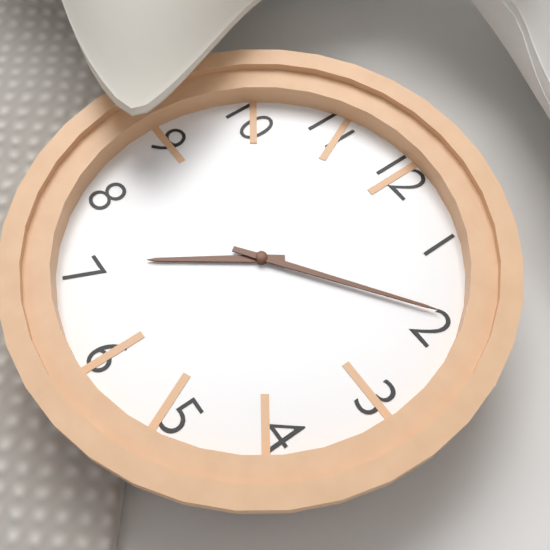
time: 7:09
